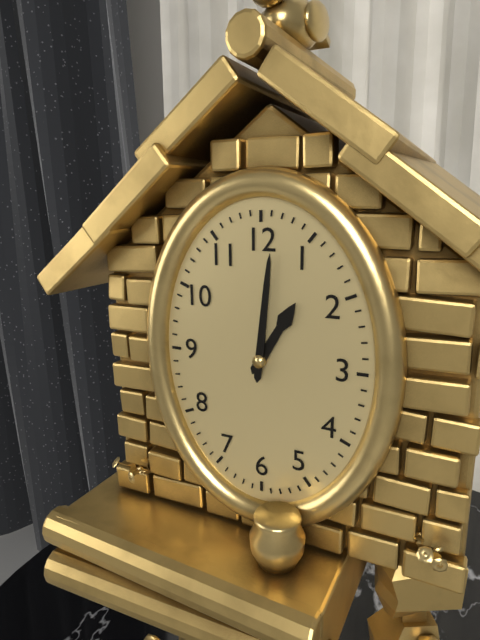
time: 1:01
